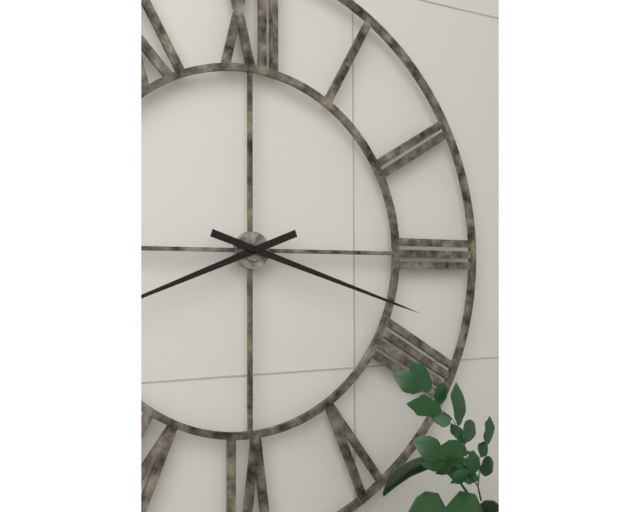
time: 8:18
